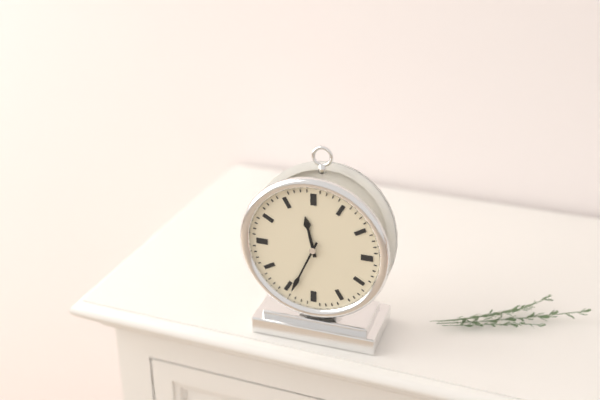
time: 11:34
